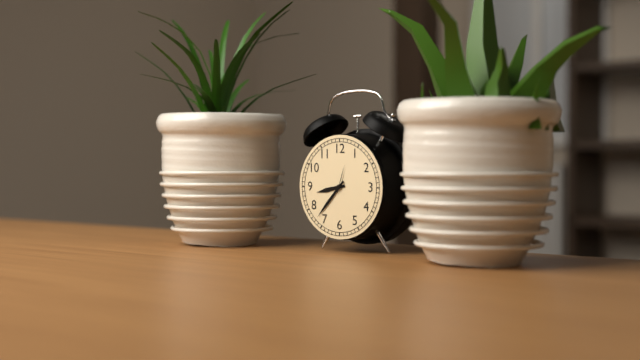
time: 8:37
